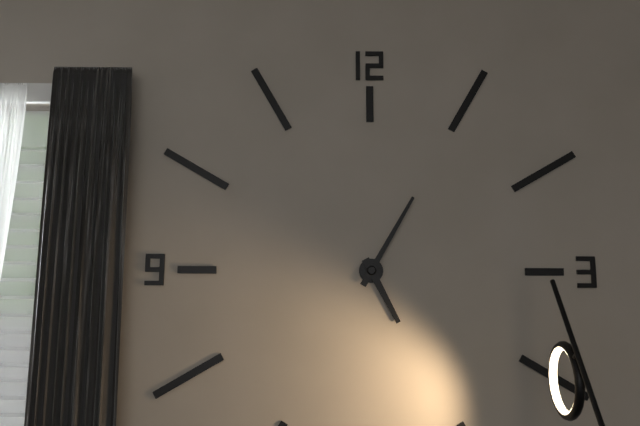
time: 5:05
